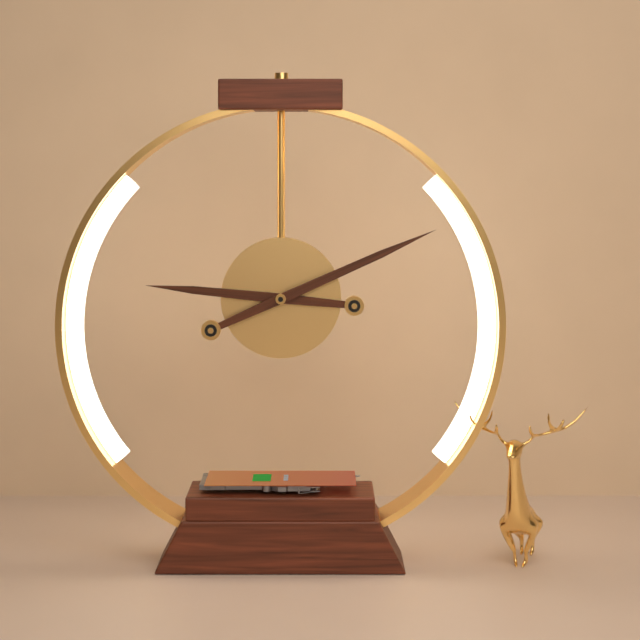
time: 9:11
